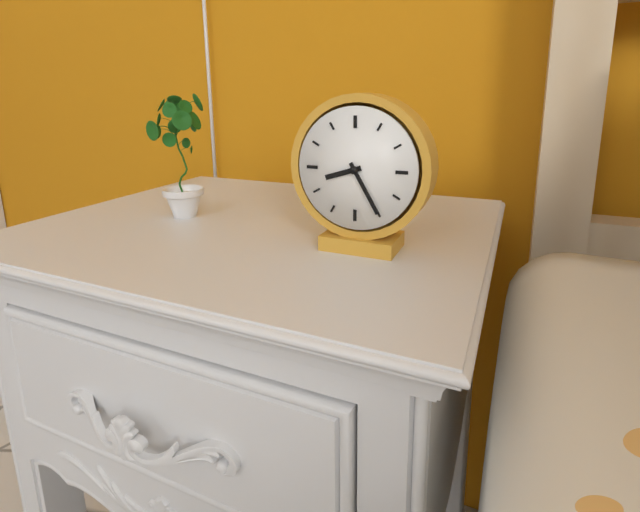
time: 8:25
